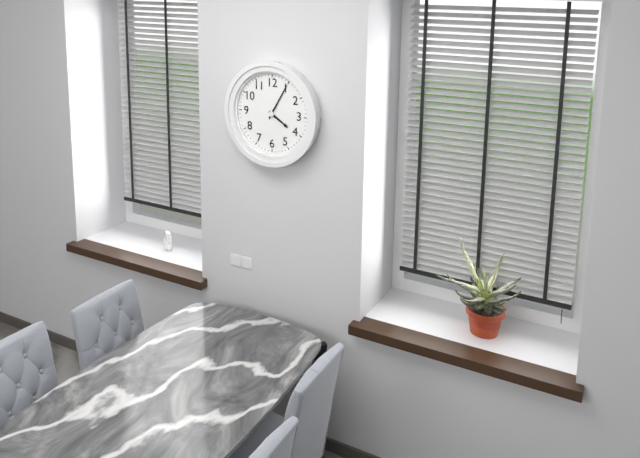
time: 4:05
